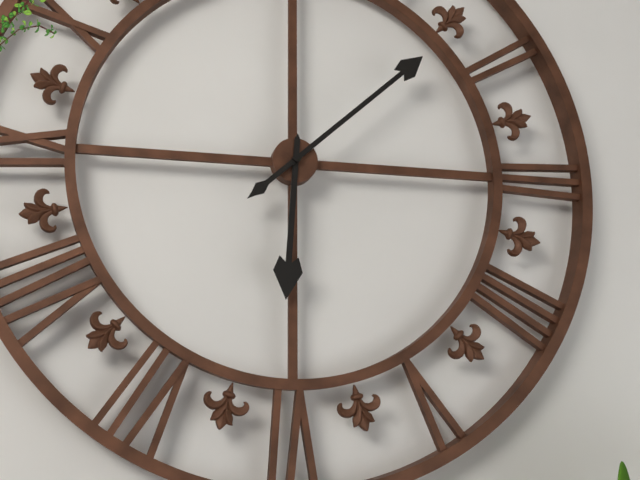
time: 6:08
